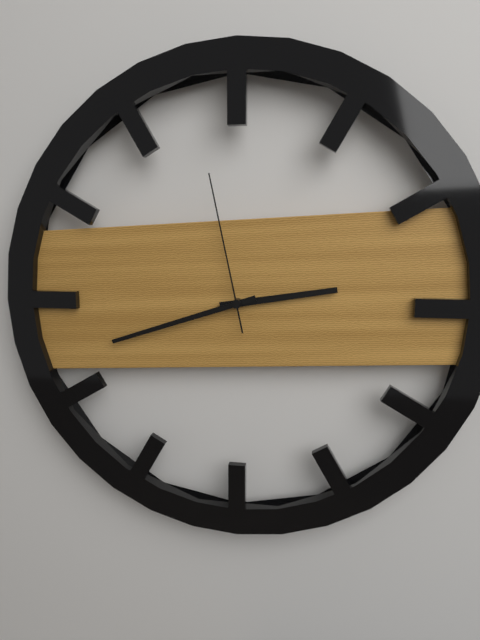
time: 2:42:58
